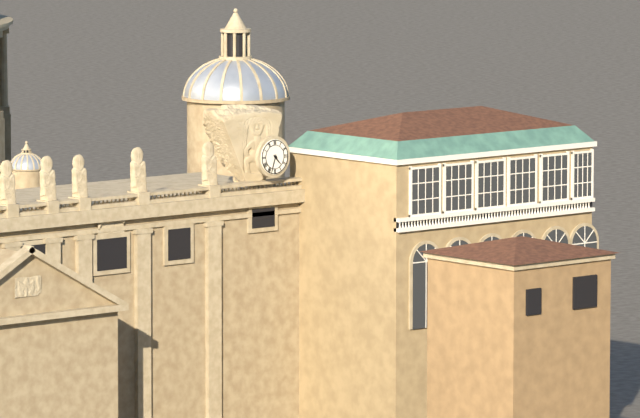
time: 4:33
